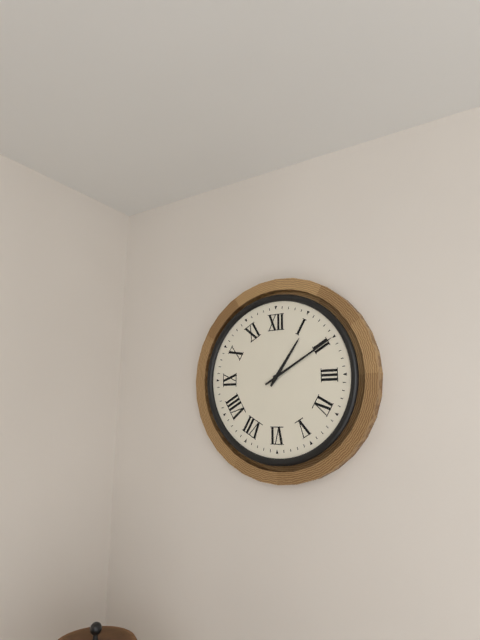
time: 1:10
